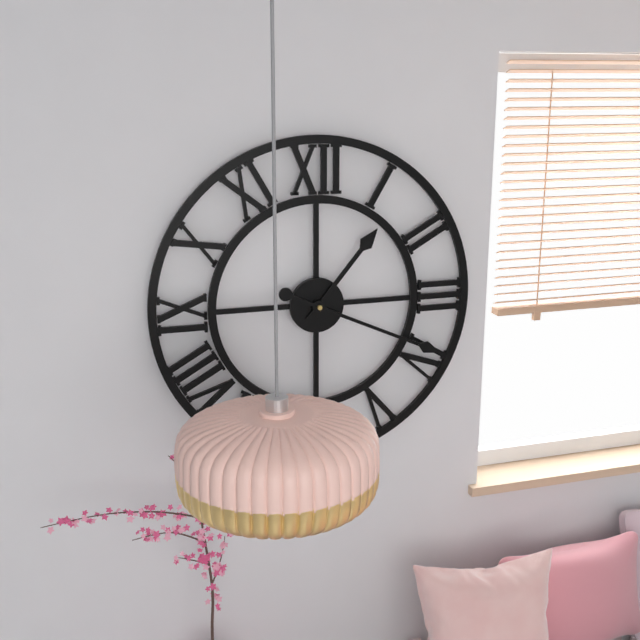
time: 1:19
